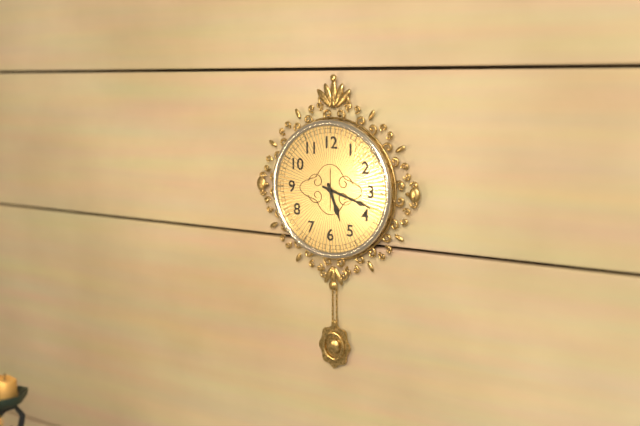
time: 5:18
